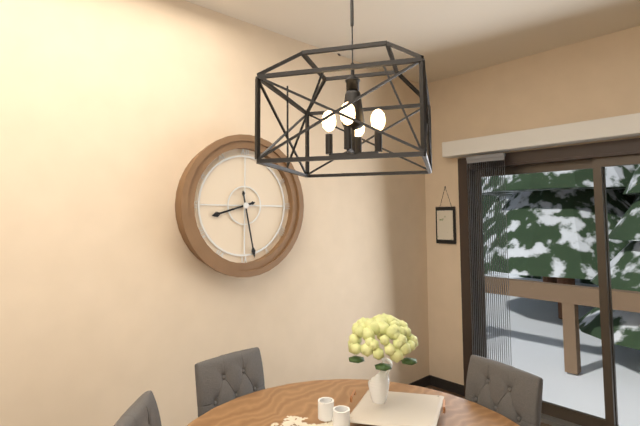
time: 8:28
